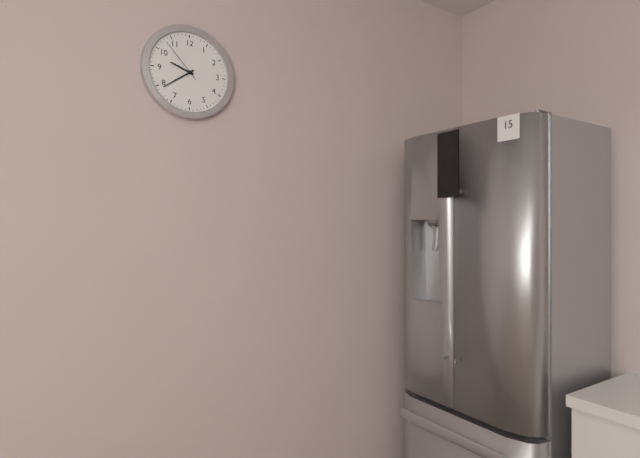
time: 9:39
